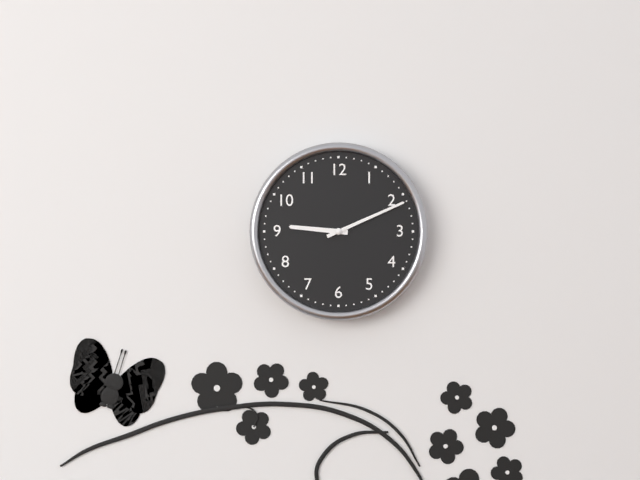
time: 9:11
